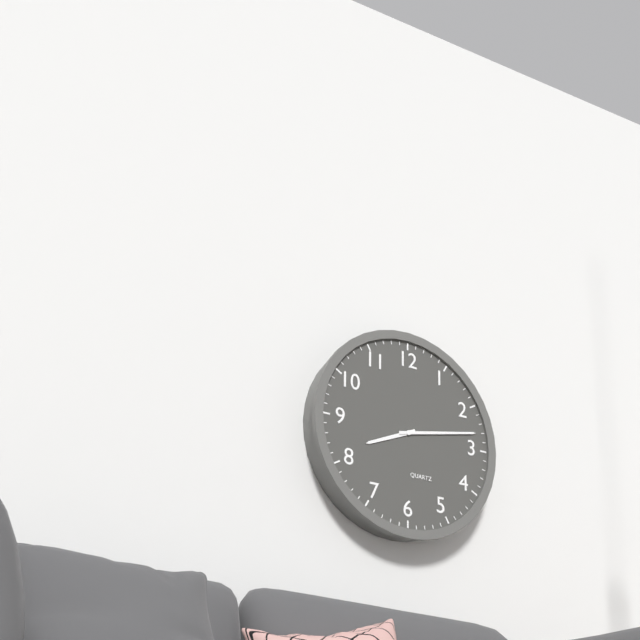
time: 8:13
